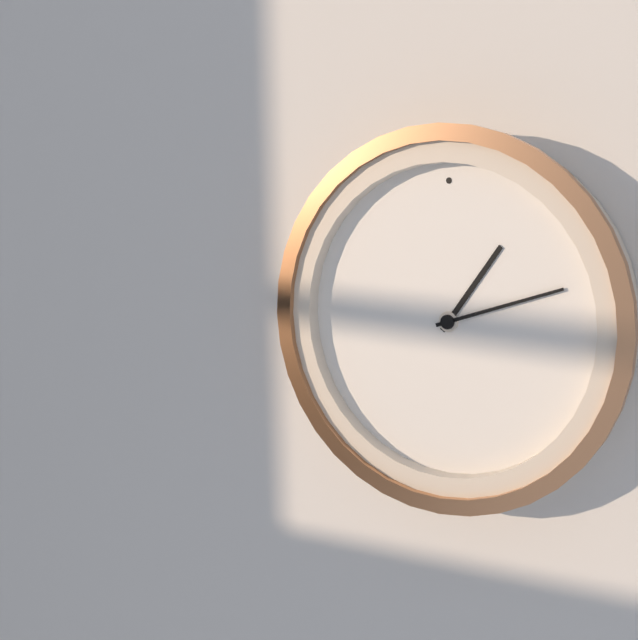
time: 1:12
